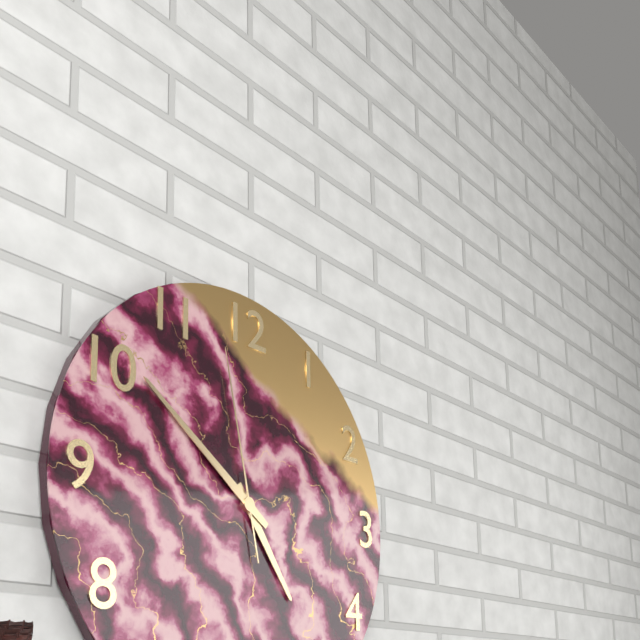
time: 4:51:58
